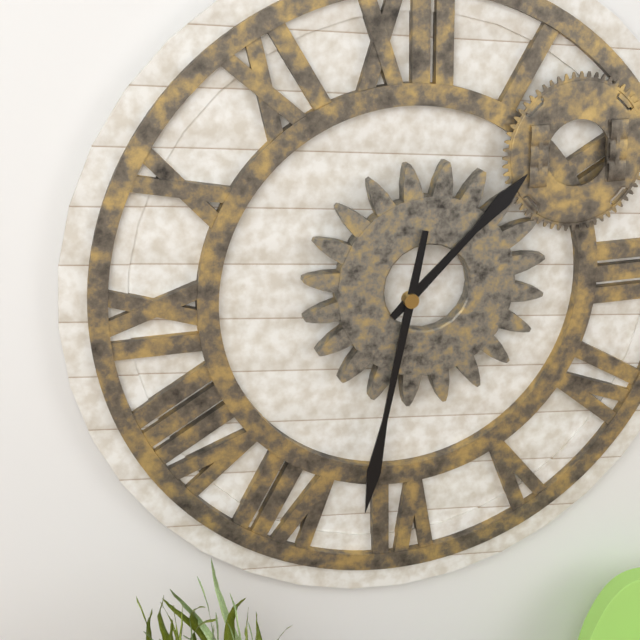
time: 1:32
